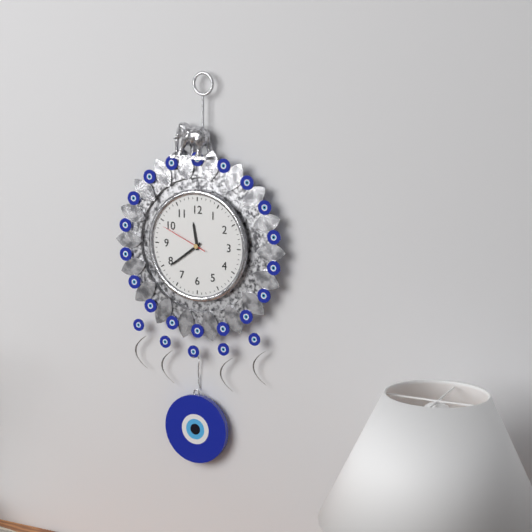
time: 11:39
